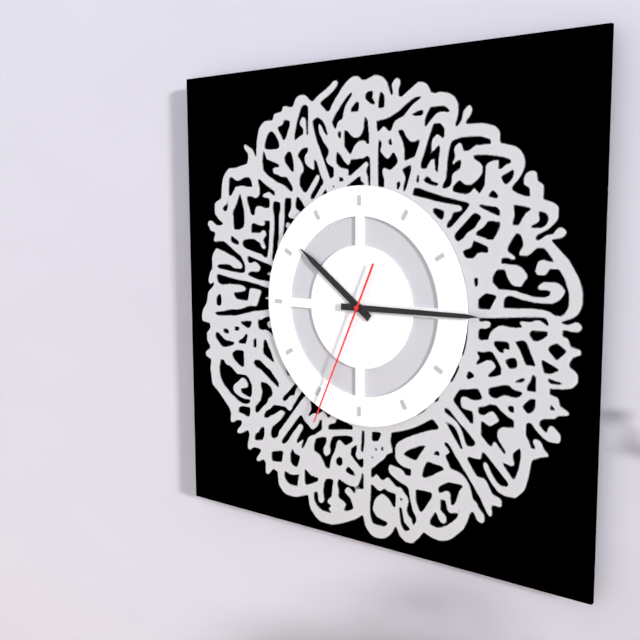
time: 10:15:34
